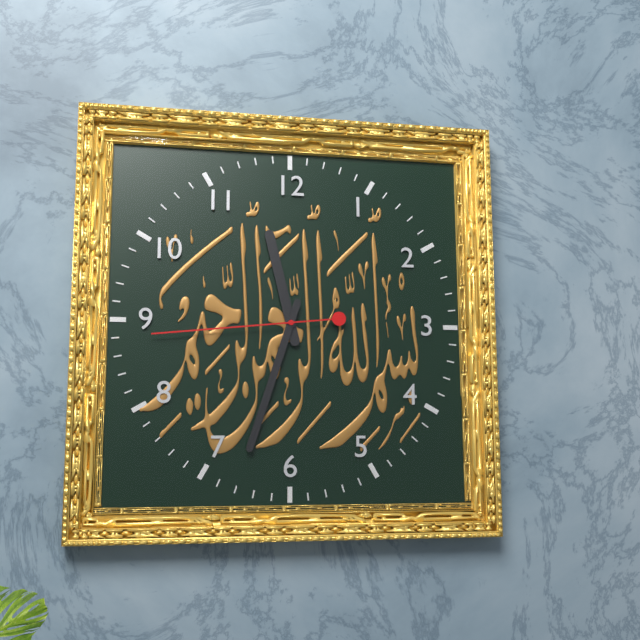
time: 11:33:44
